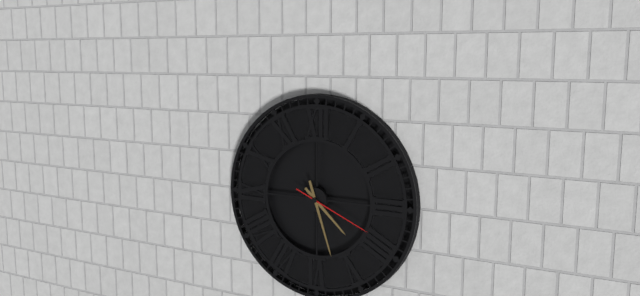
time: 4:27:19
